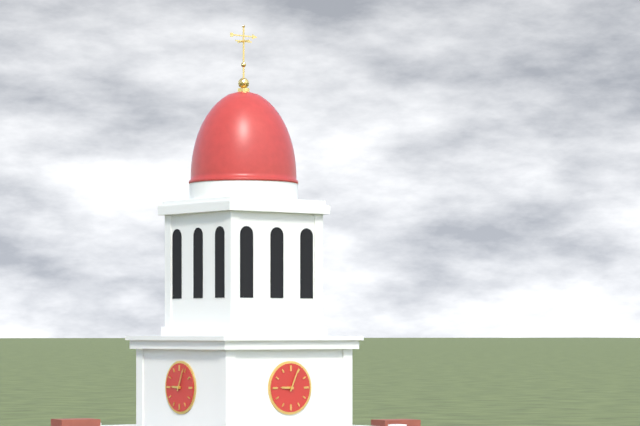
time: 9:04
